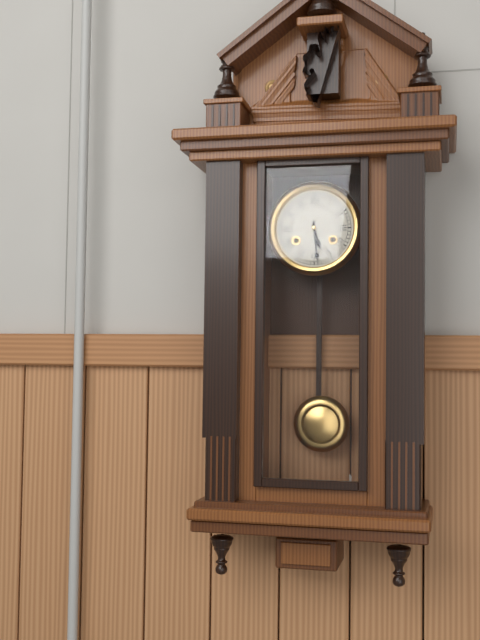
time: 5:29
